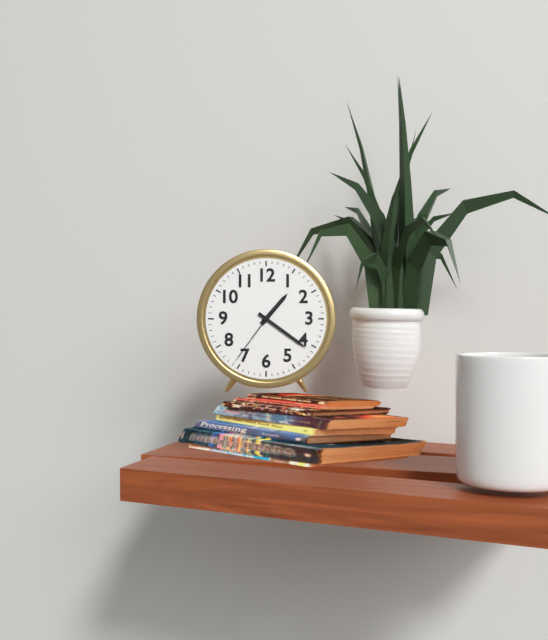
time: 1:21:36
